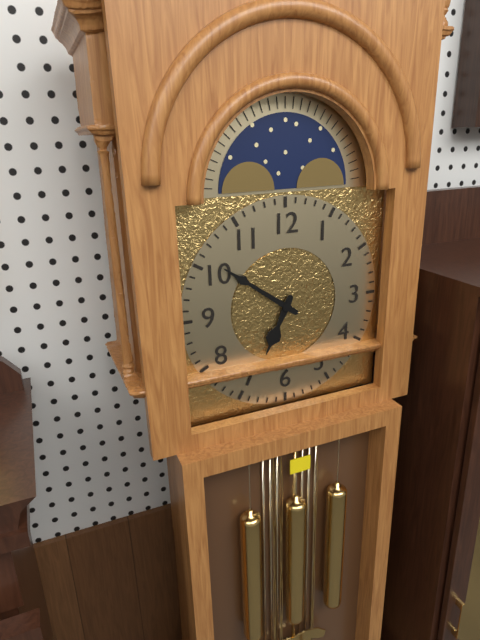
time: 6:51
